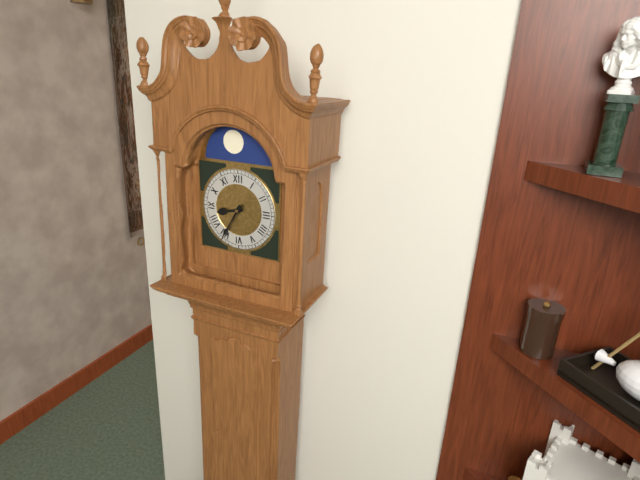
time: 8:35
